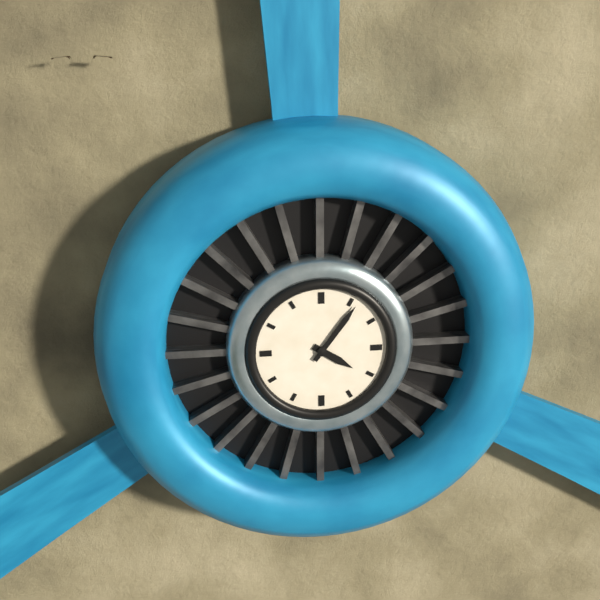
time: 4:06
